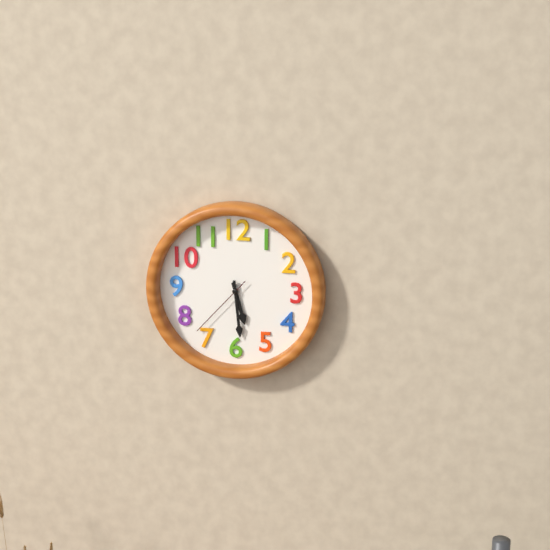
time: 5:29:37
